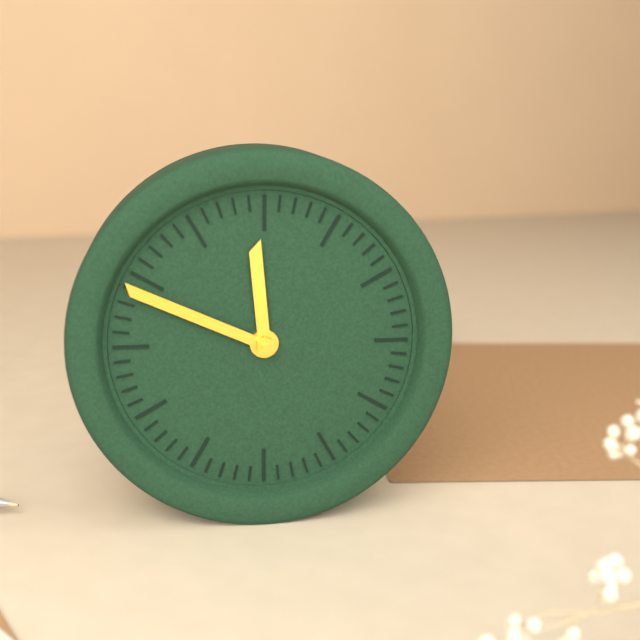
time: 11:49
